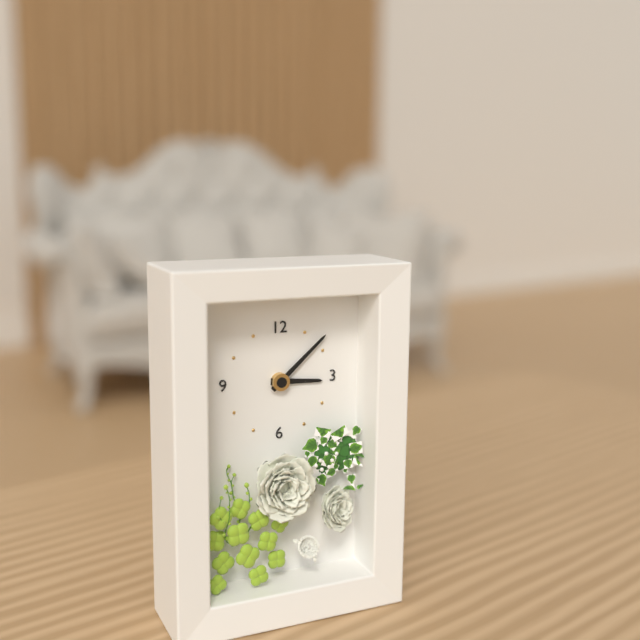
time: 3:08
